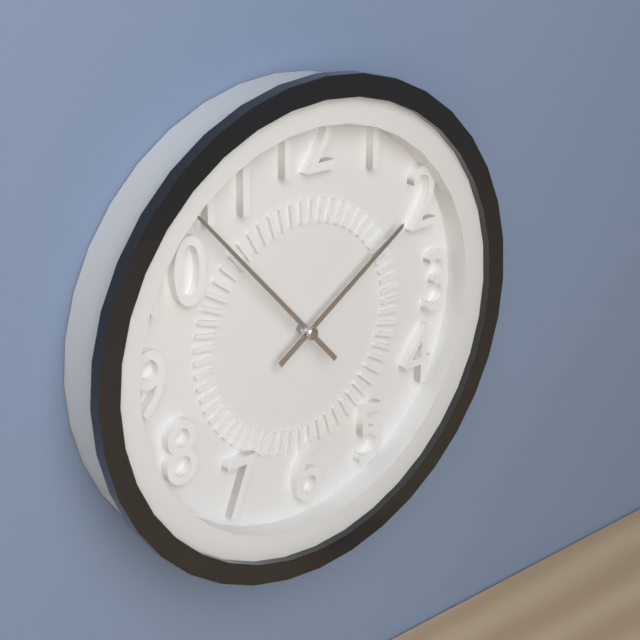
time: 1:53
